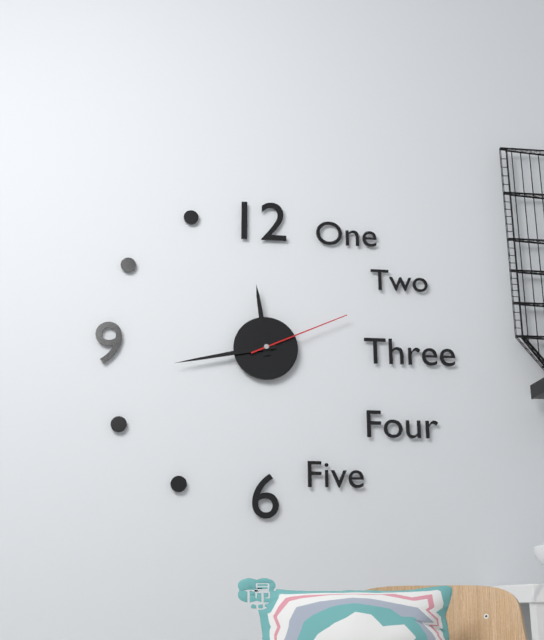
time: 11:43:11
